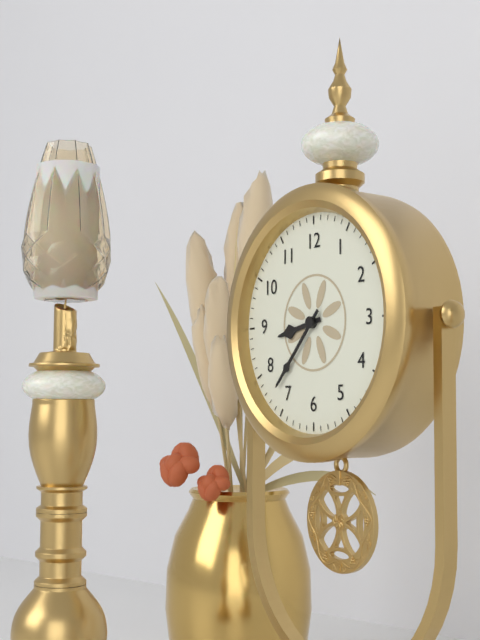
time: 8:37
